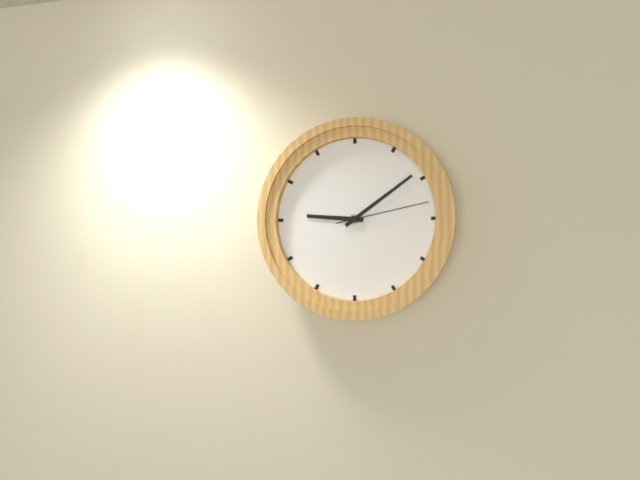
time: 9:09:13
